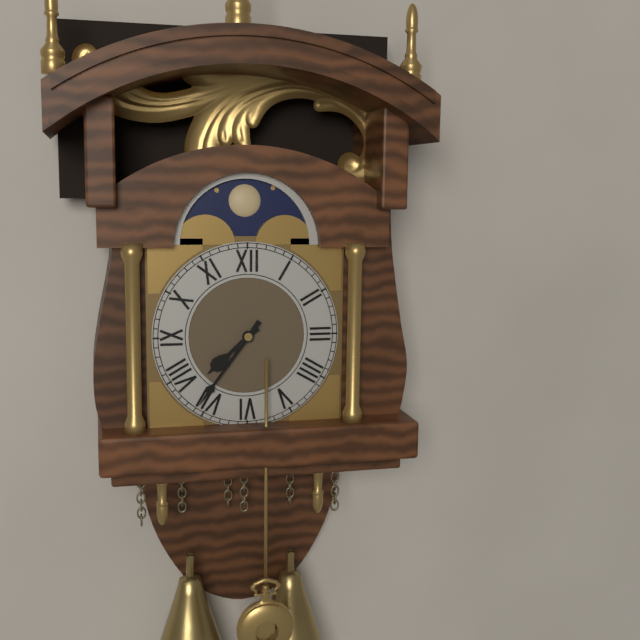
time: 7:36
